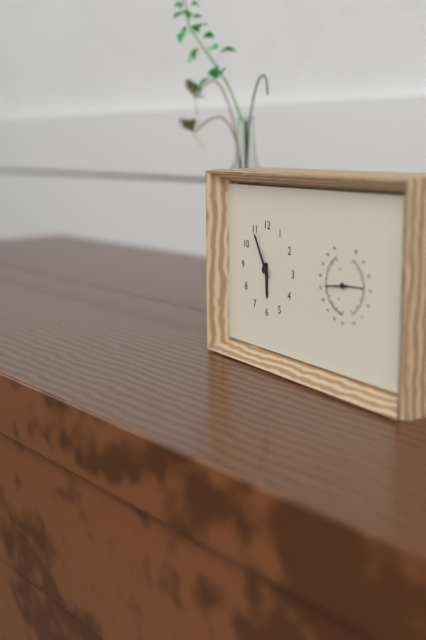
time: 5:55
